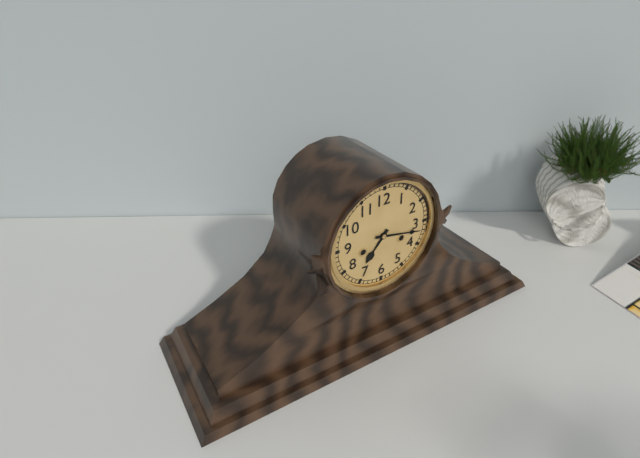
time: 7:17
